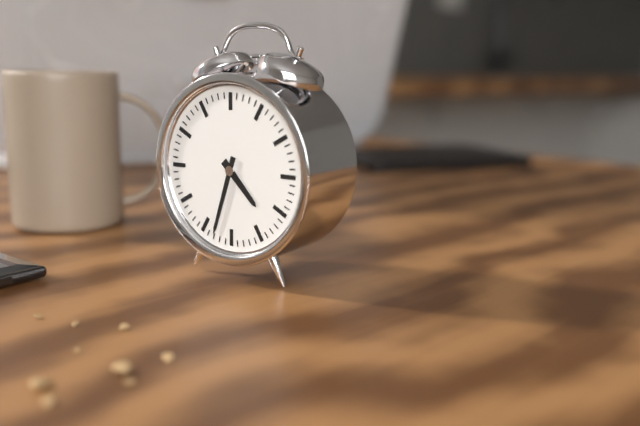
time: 4:33
